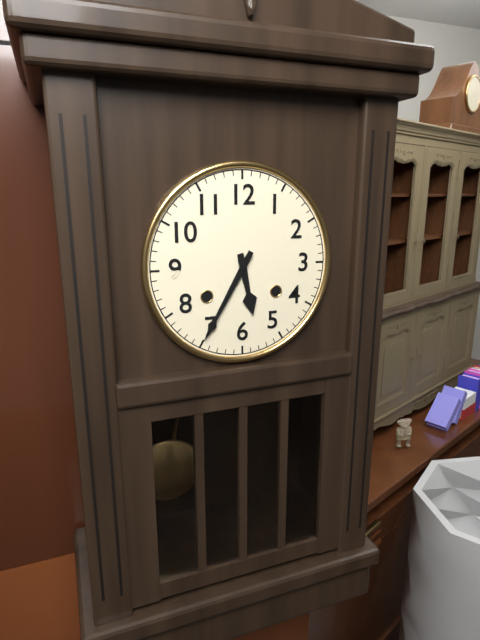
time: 5:35
